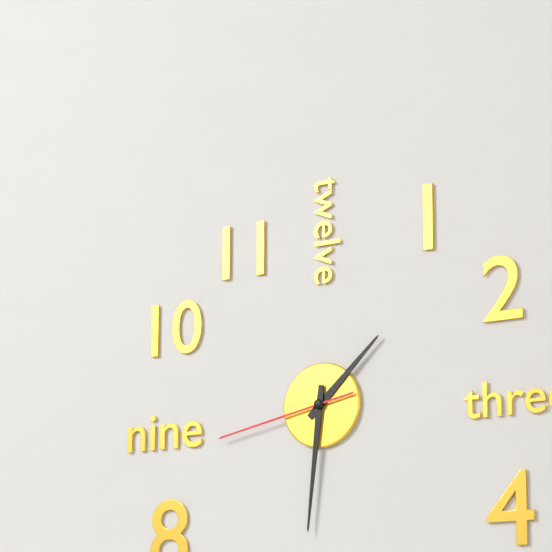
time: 1:31:43
